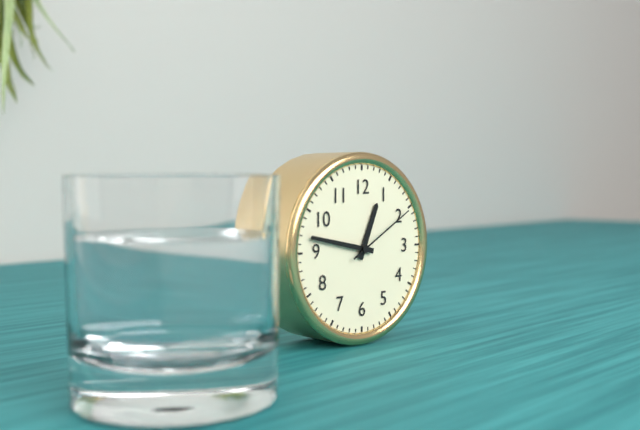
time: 12:47:10
